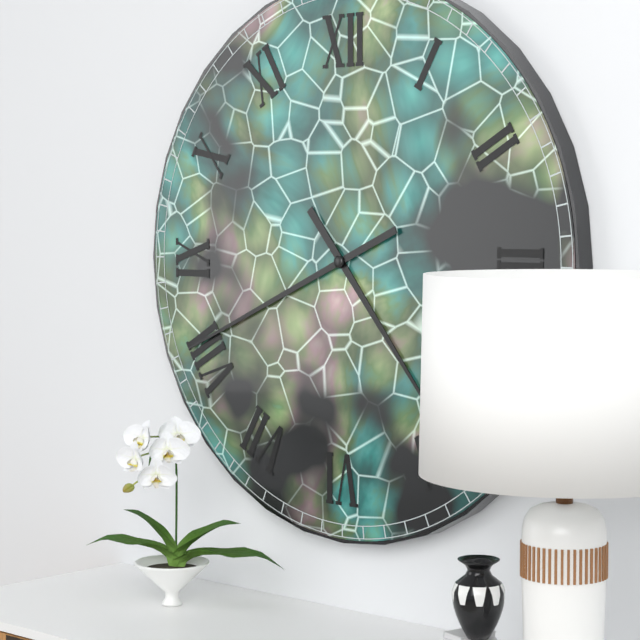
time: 4:41
